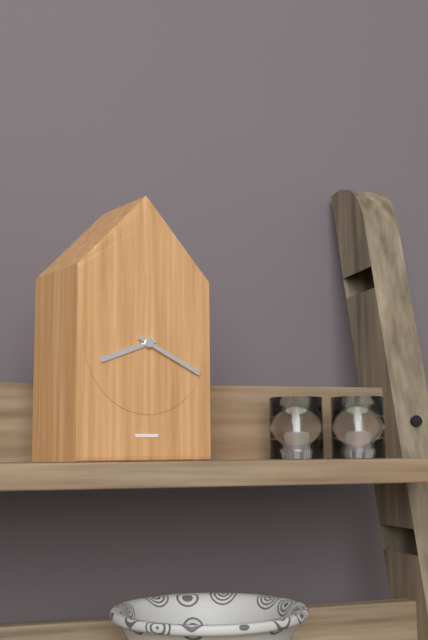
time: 8:19
